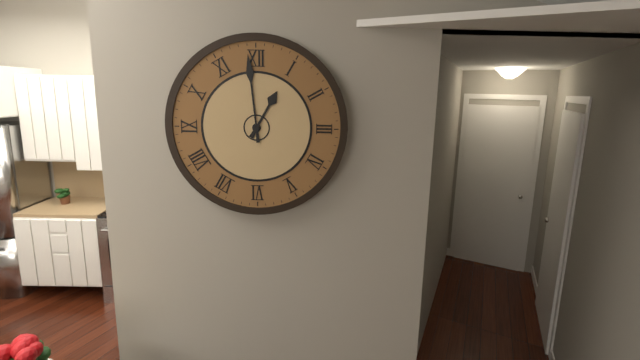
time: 12:59
